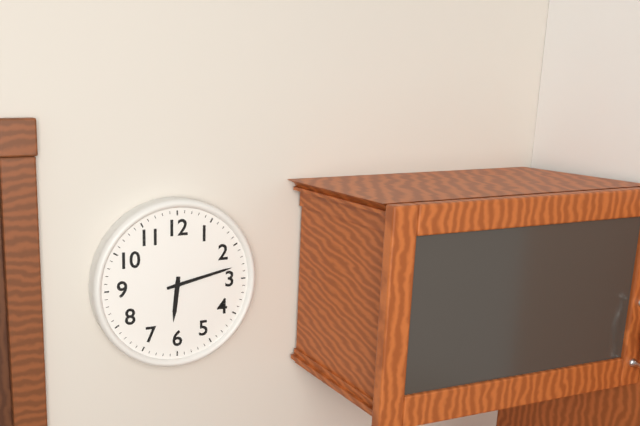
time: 6:13
